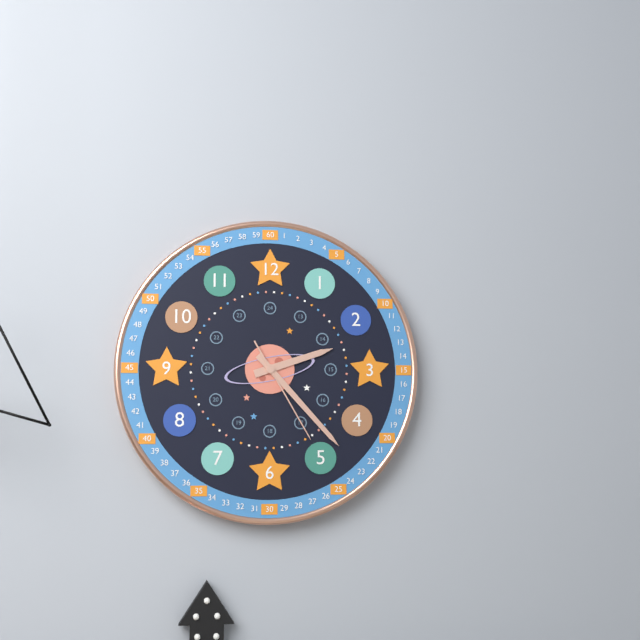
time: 2:23:25
